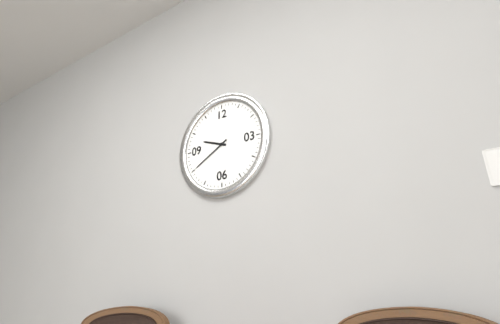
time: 9:40
